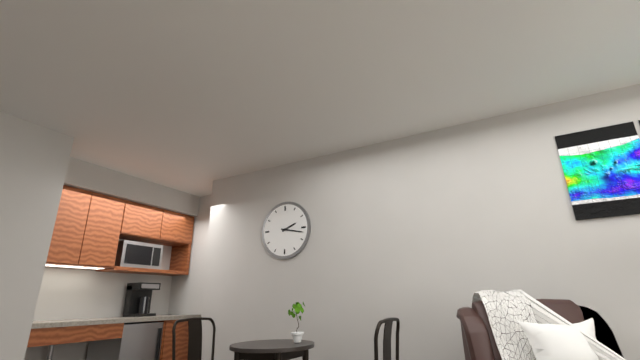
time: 2:17
